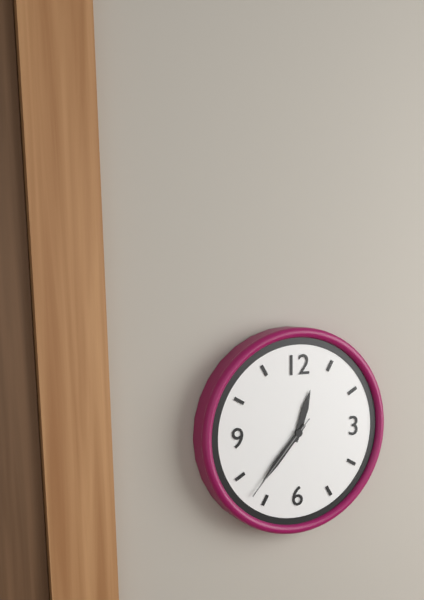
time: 12:37:37
